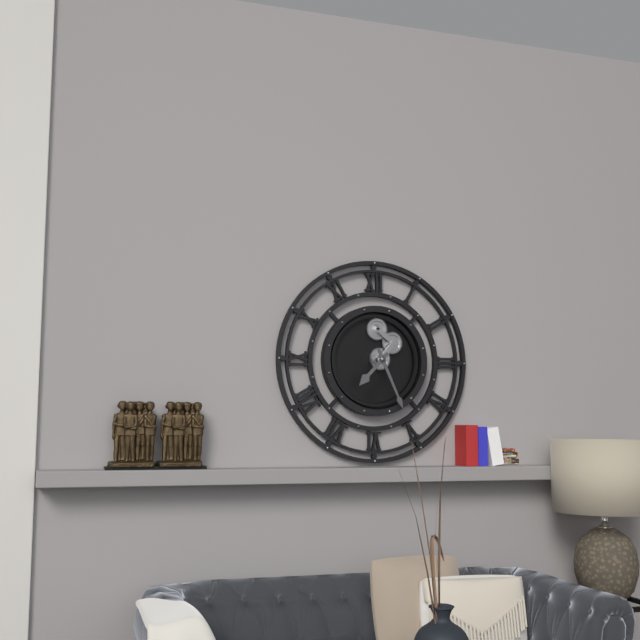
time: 7:26
